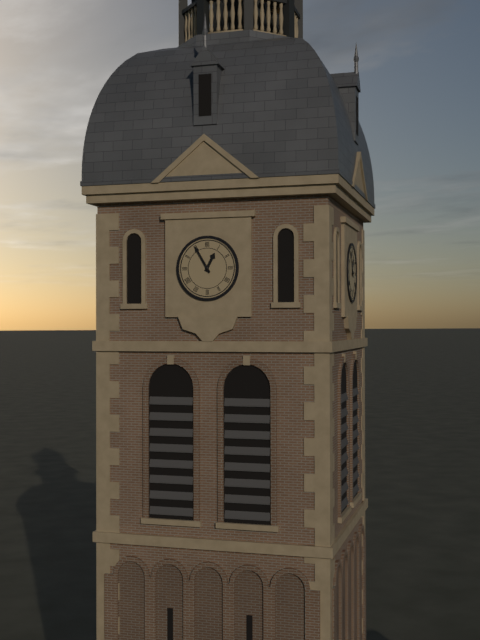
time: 12:55
